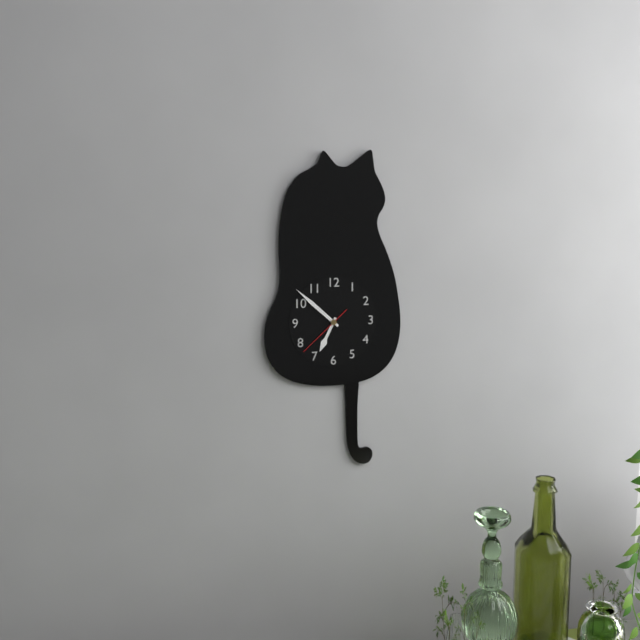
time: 6:52:38
